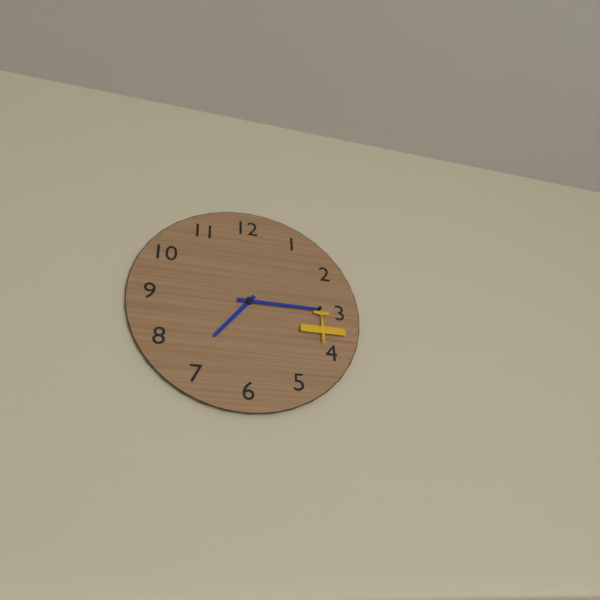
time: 7:15
